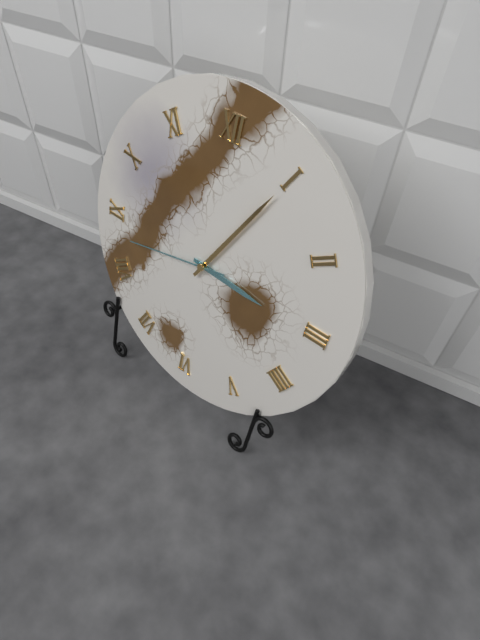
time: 3:05:43
